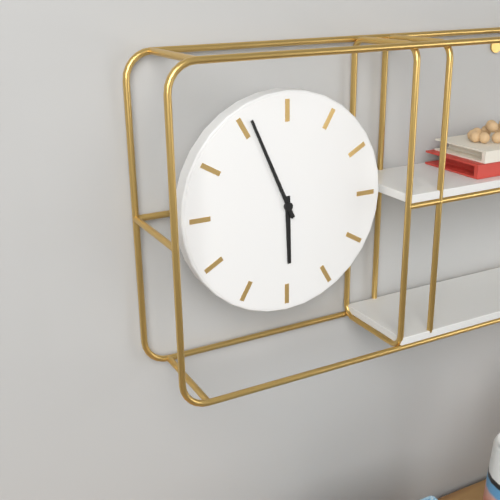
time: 5:56
